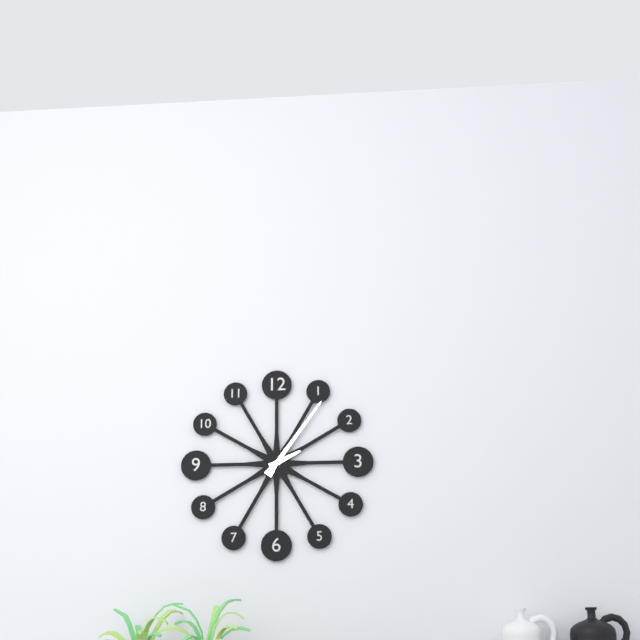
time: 2:06
